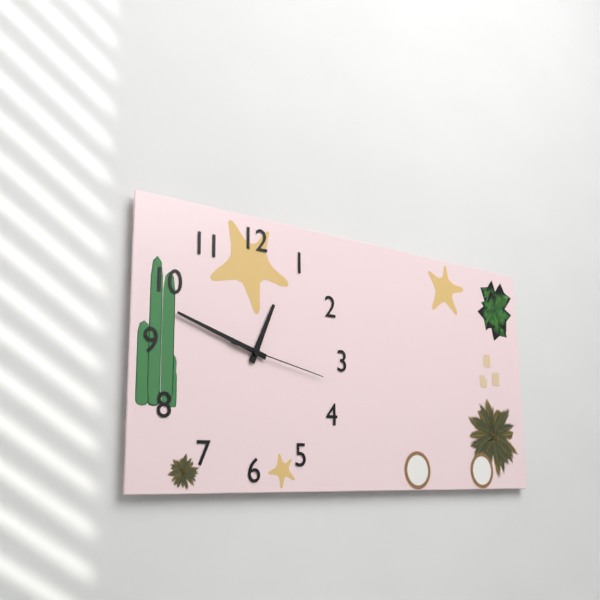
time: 12:48:17
